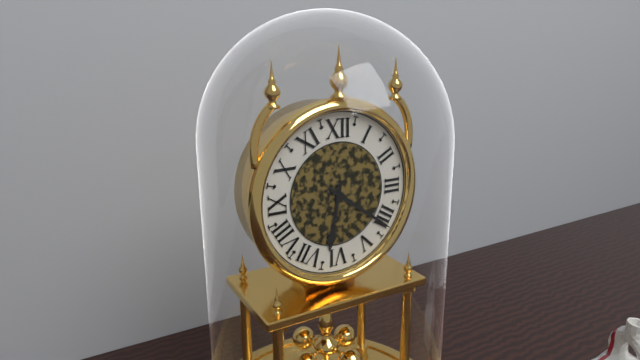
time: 6:21
